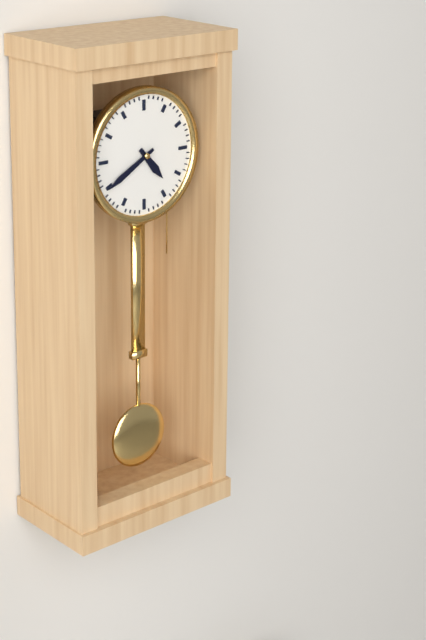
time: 4:40
